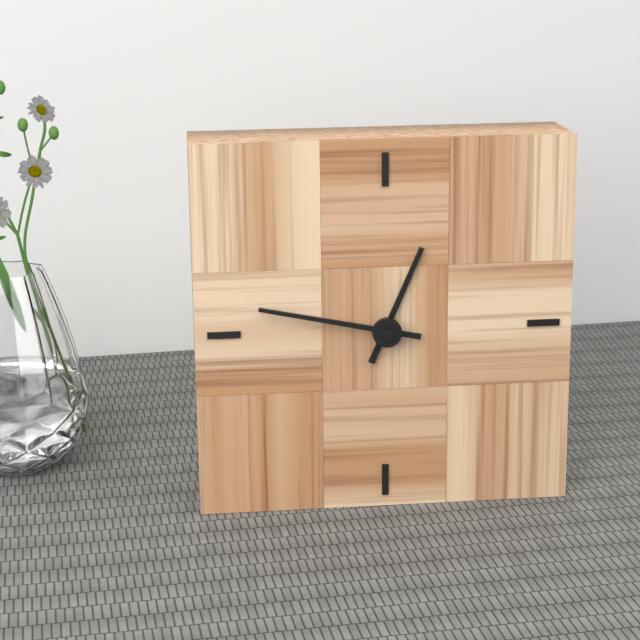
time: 12:47
